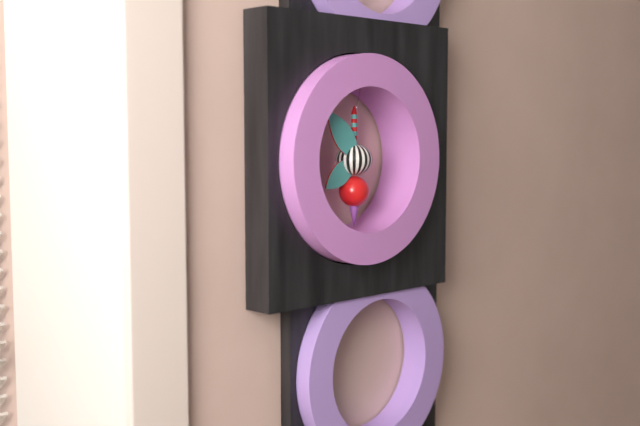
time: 7:53
